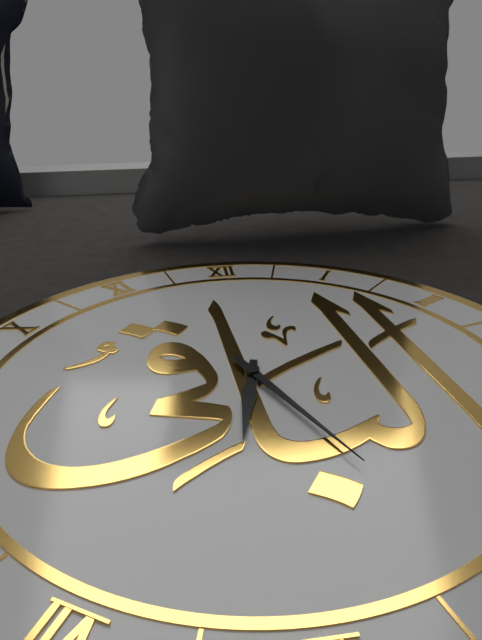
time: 6:26
